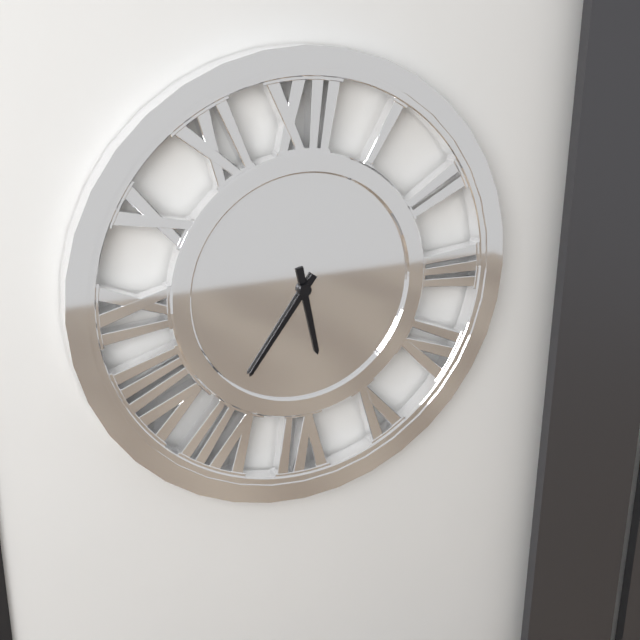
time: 5:36
